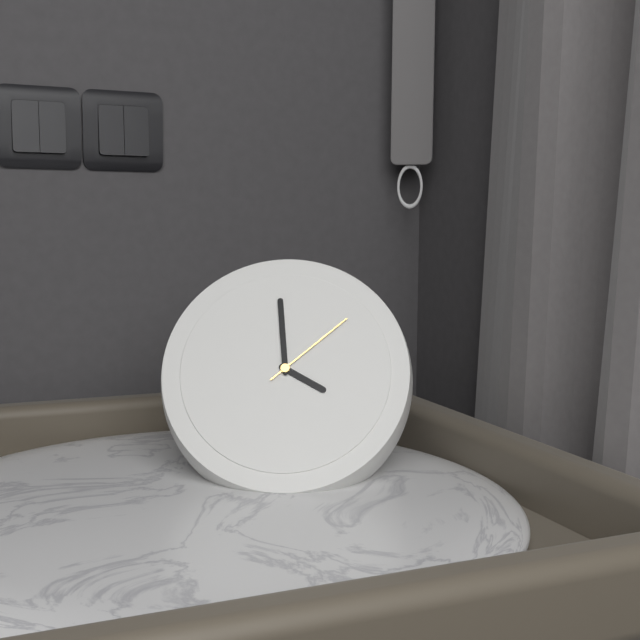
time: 3:59:08
